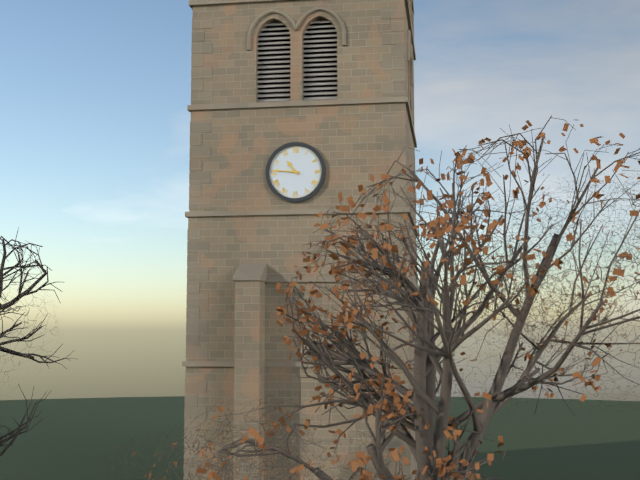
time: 10:46
